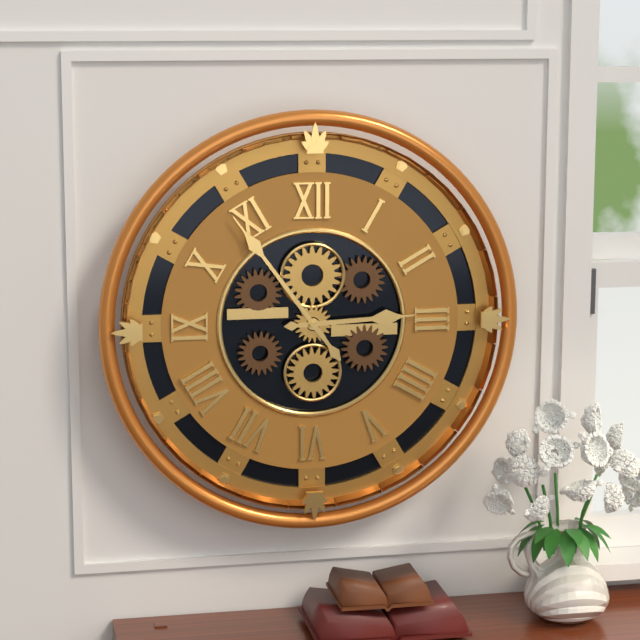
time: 2:54
